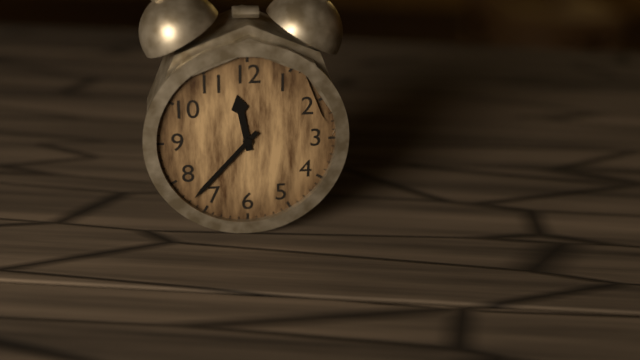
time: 11:37
